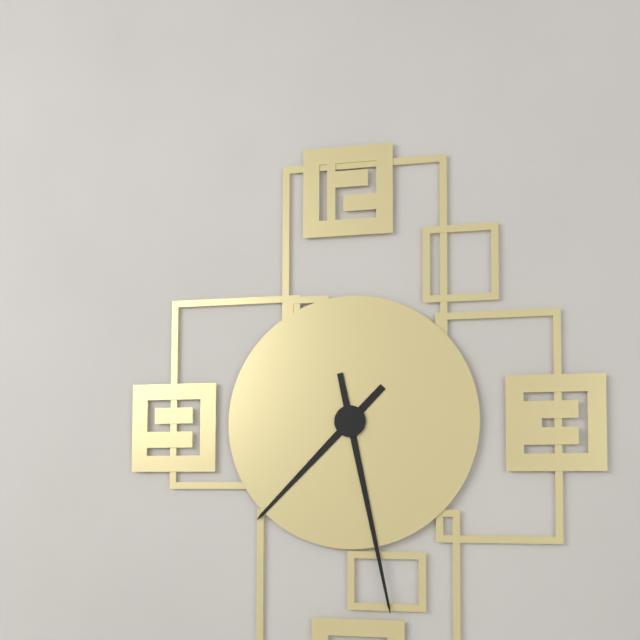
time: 7:28
